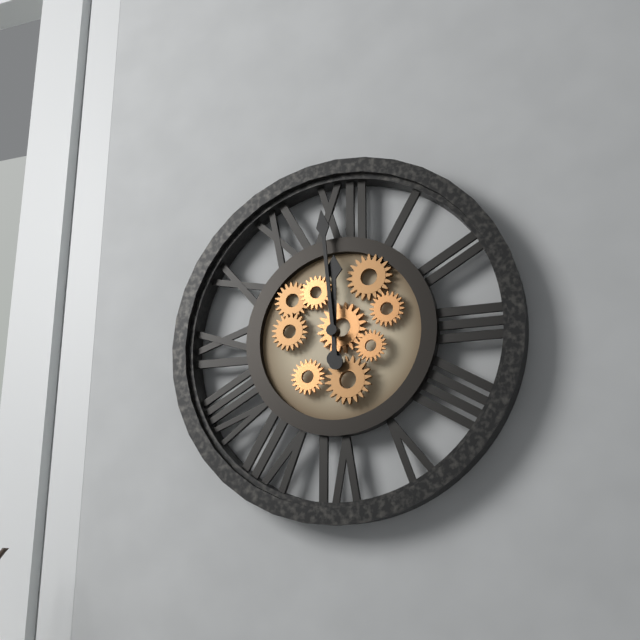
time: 11:59
